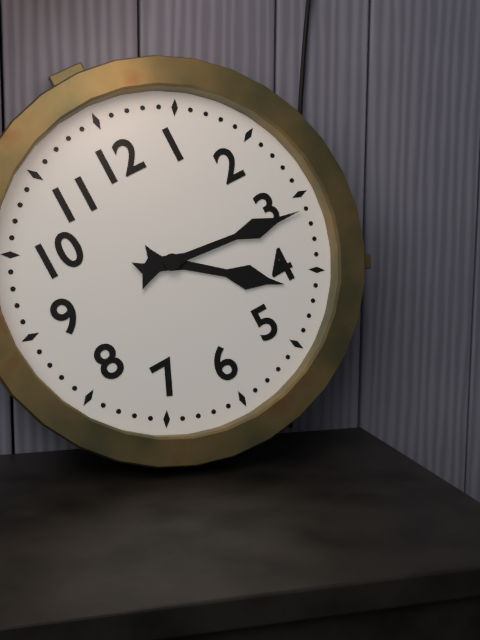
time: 4:16
